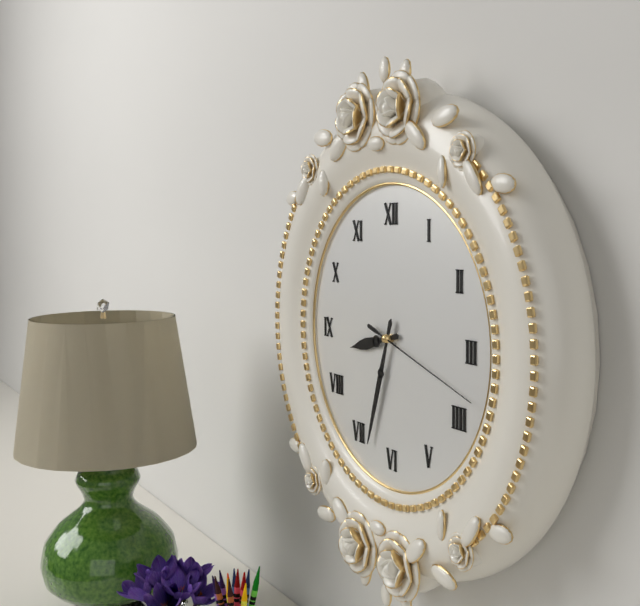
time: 8:33:18
